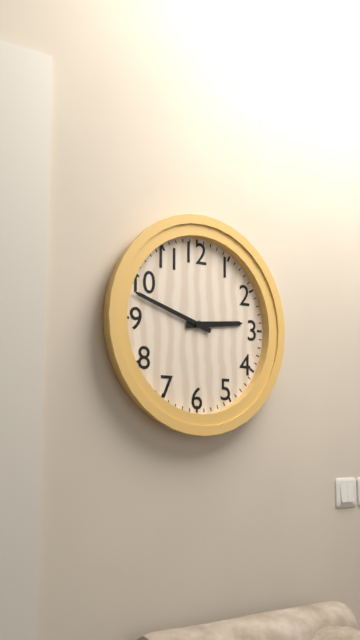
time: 2:48
